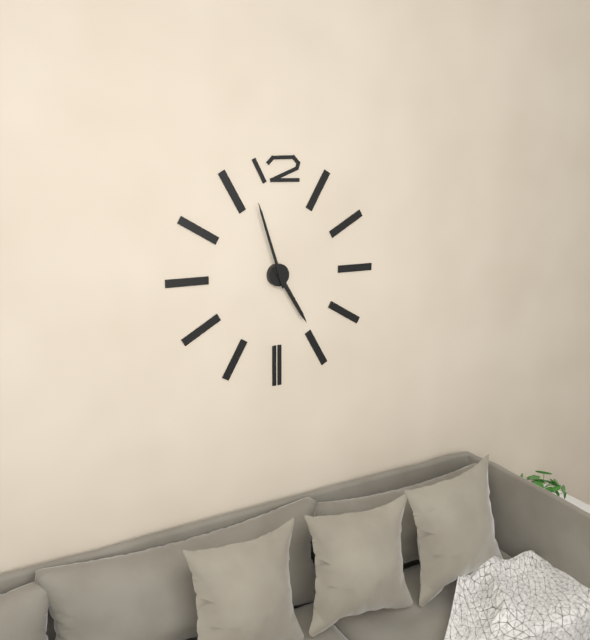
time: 4:57
